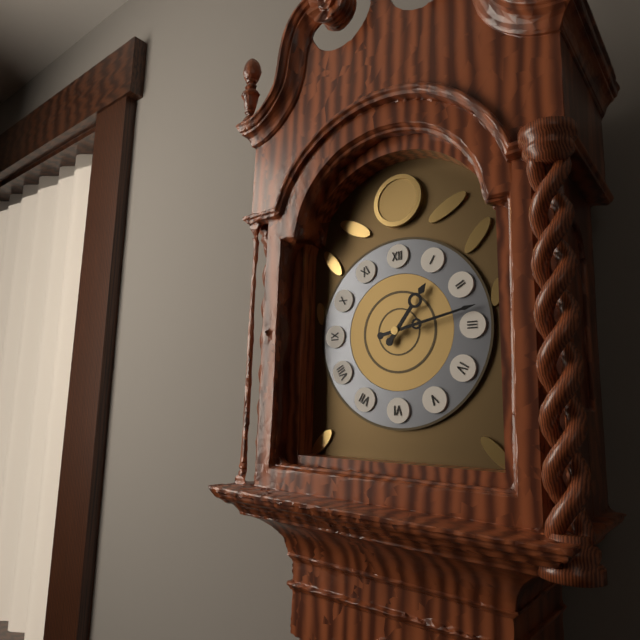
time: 1:13
